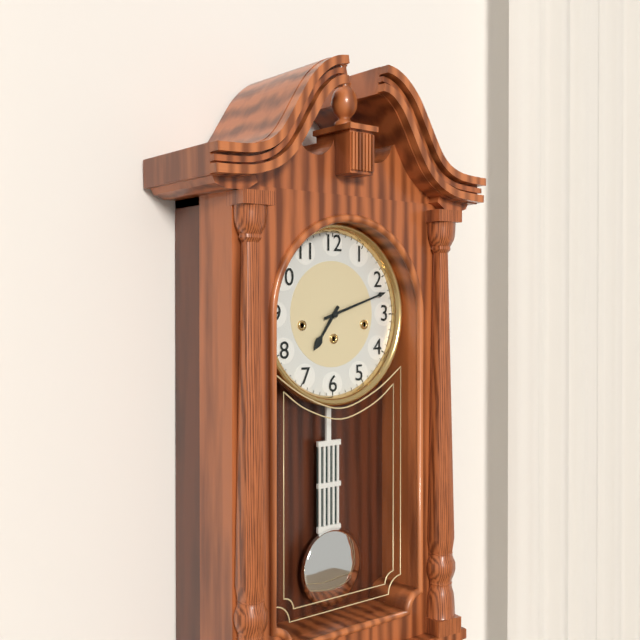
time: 7:12
